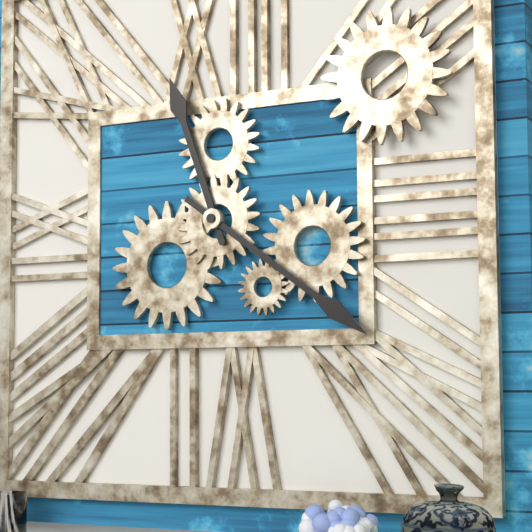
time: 11:21
